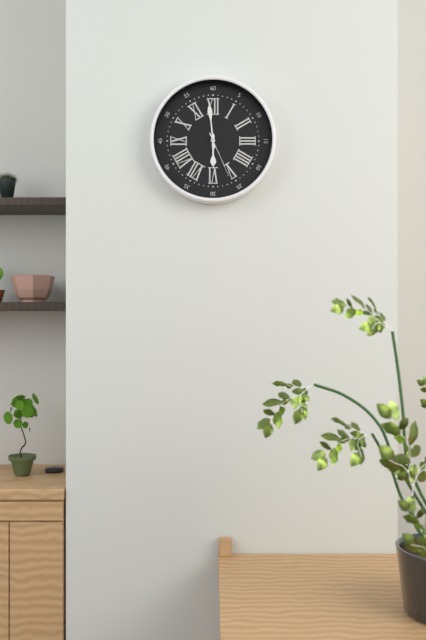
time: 5:59
